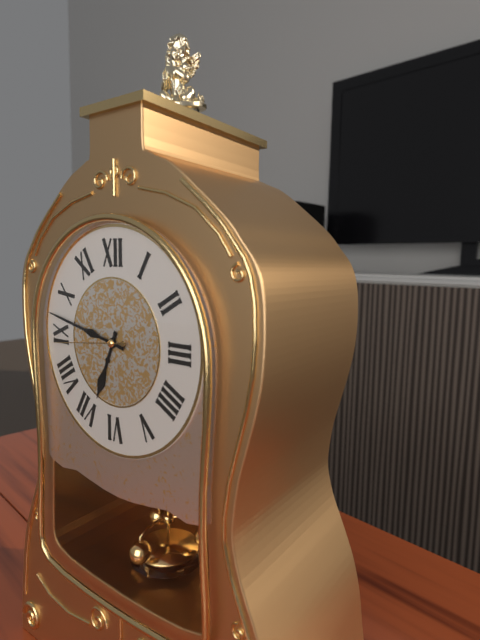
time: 6:47:44
